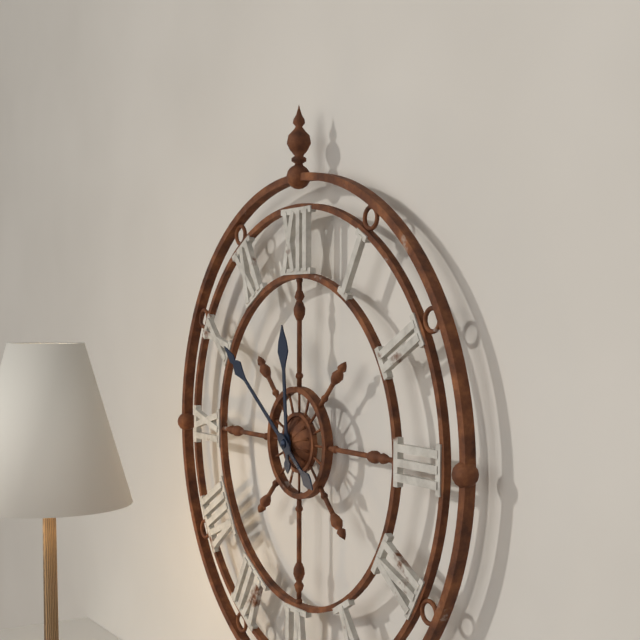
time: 11:51
